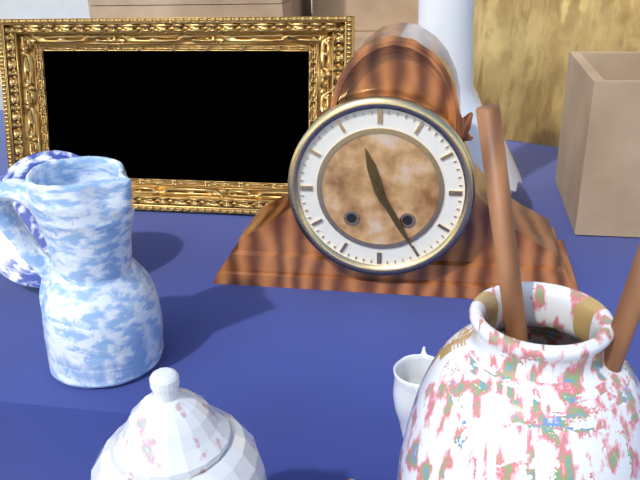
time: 11:25
